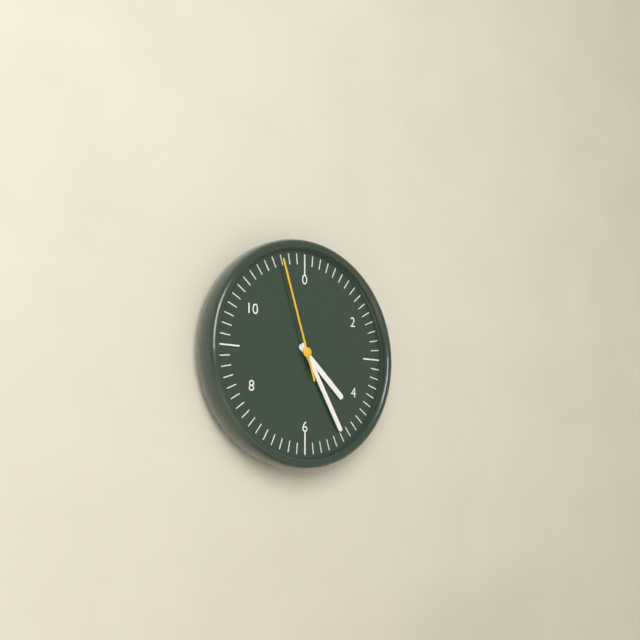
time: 4:25:57
